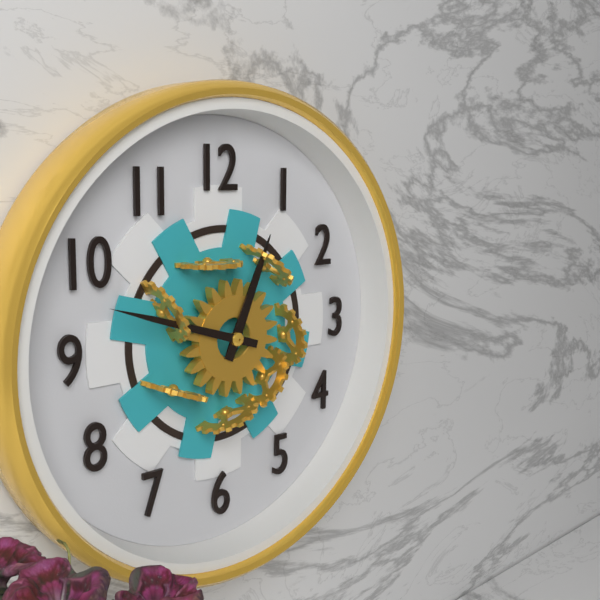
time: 12:48
